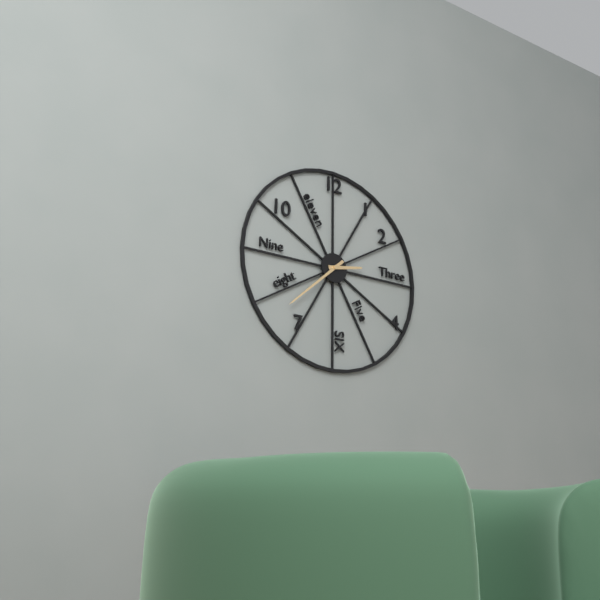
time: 2:38
